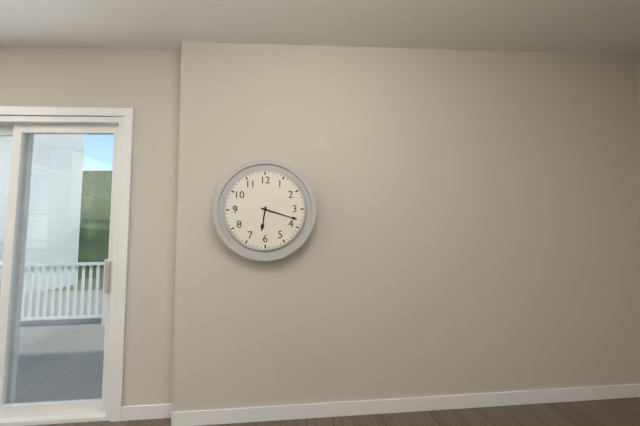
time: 6:18
